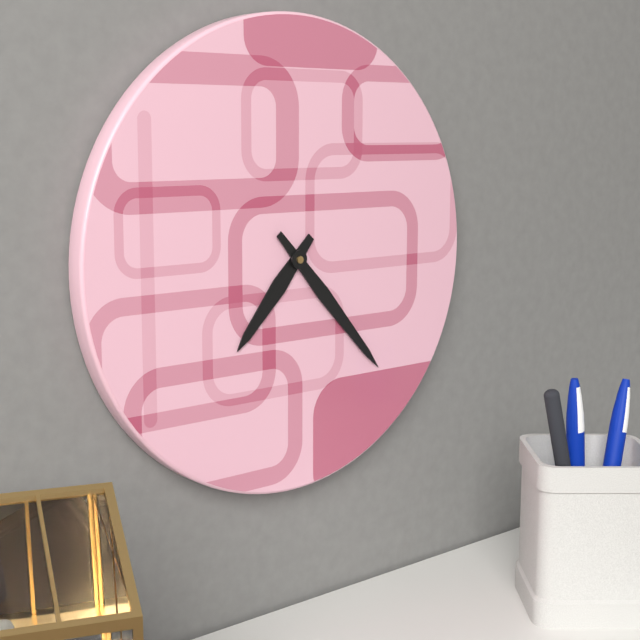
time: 7:23
